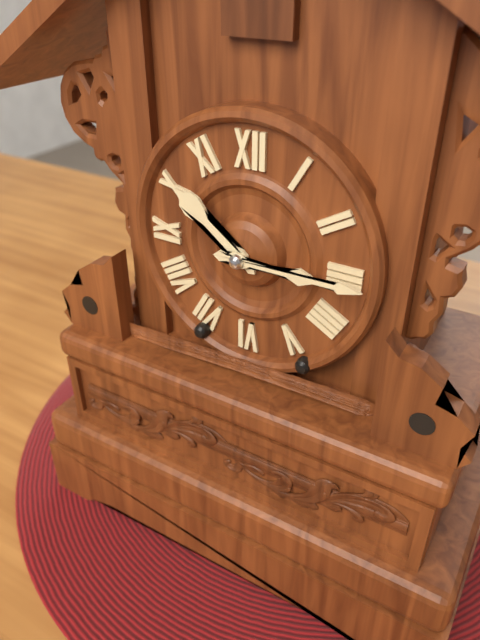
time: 10:15
